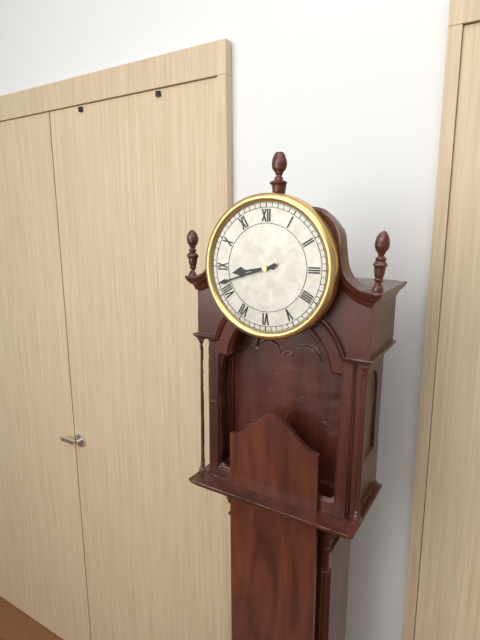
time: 8:42
